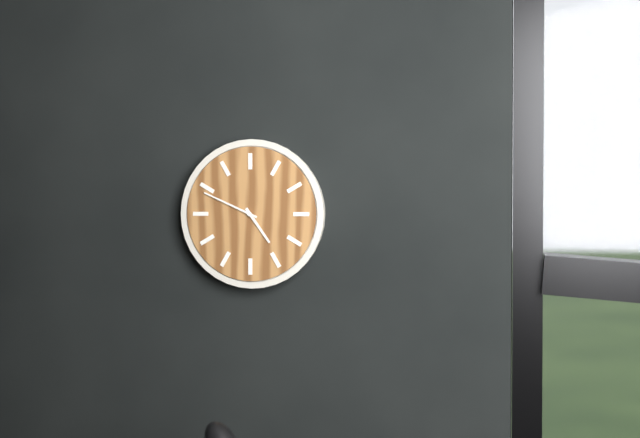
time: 4:49
